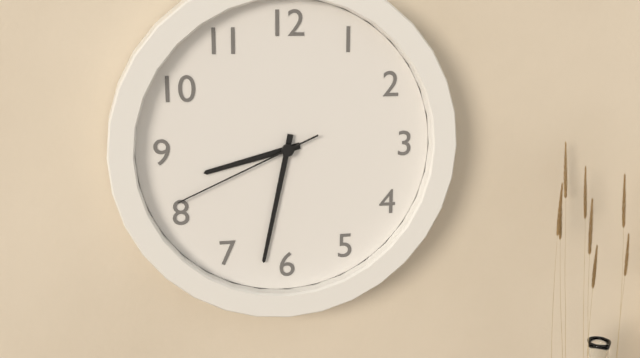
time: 8:32:41
